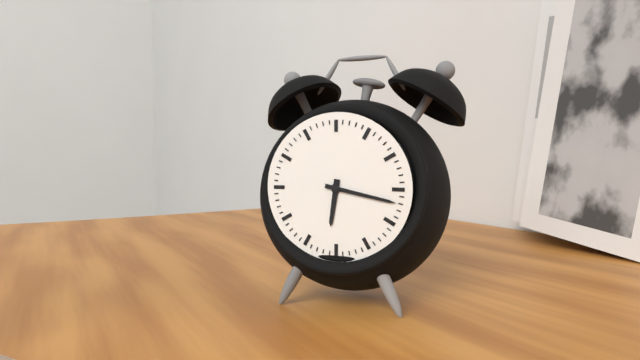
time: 6:17
